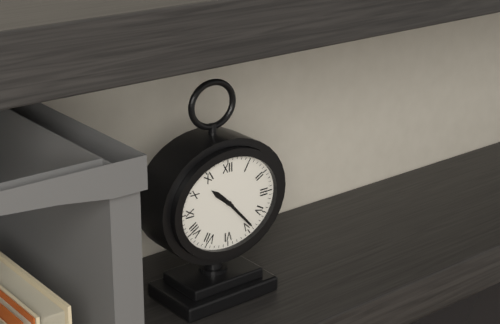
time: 10:23
